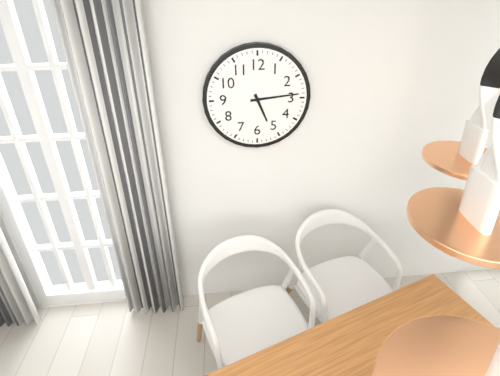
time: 5:14
